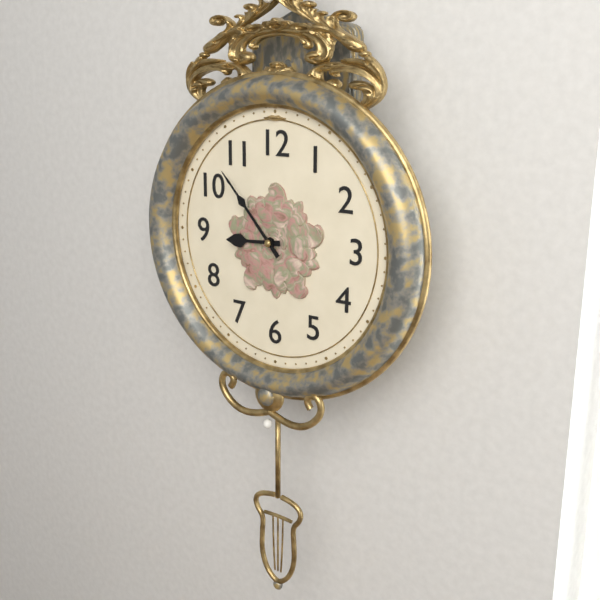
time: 8:53
